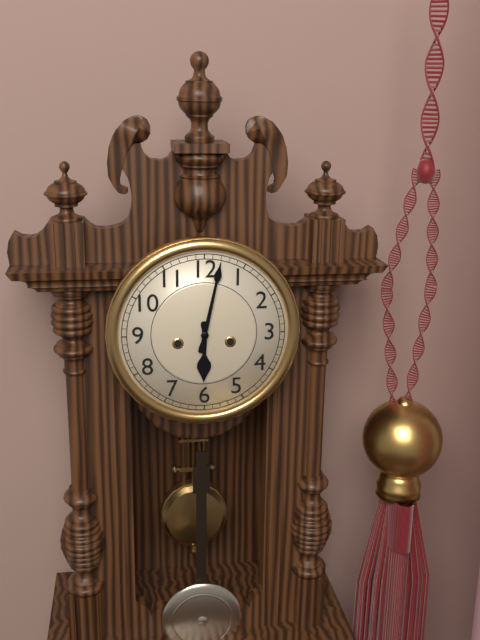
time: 6:02
